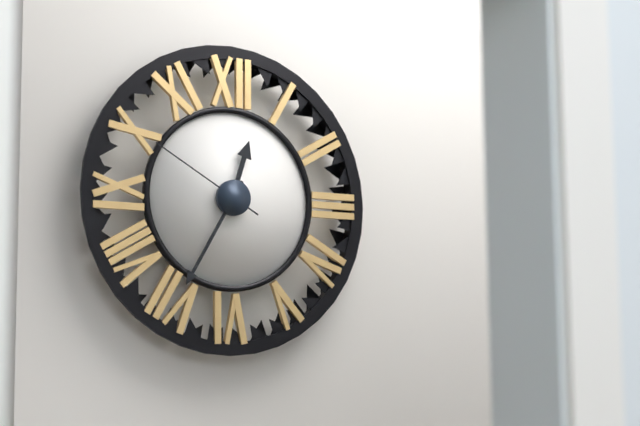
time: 12:35:50
